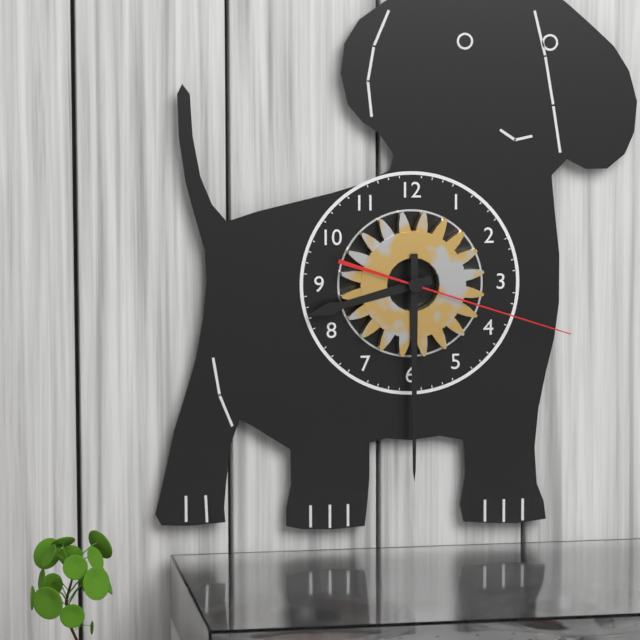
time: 8:30:18
